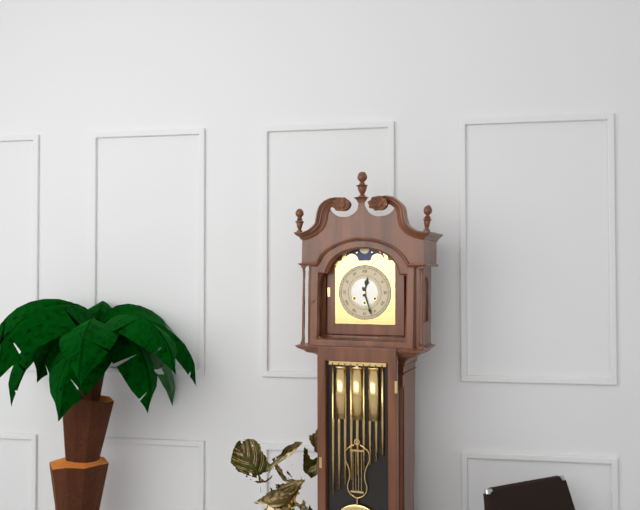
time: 12:27
